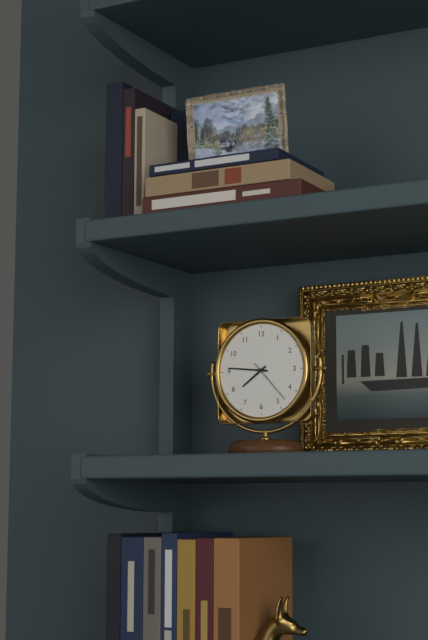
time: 7:46
